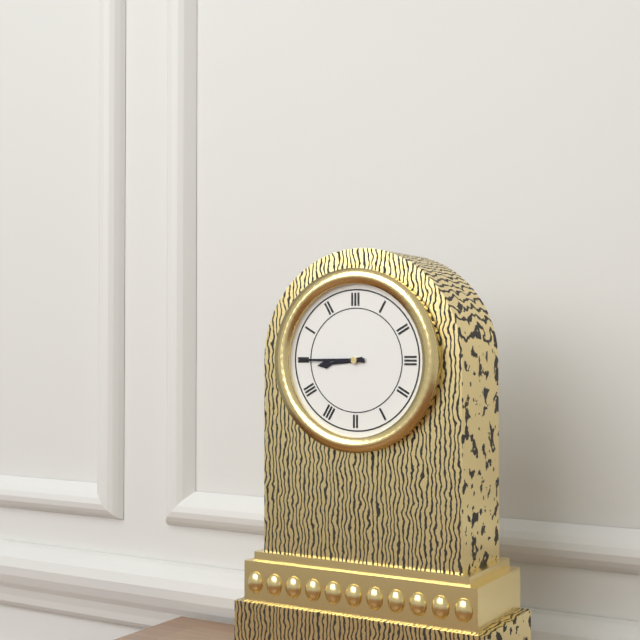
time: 8:45
